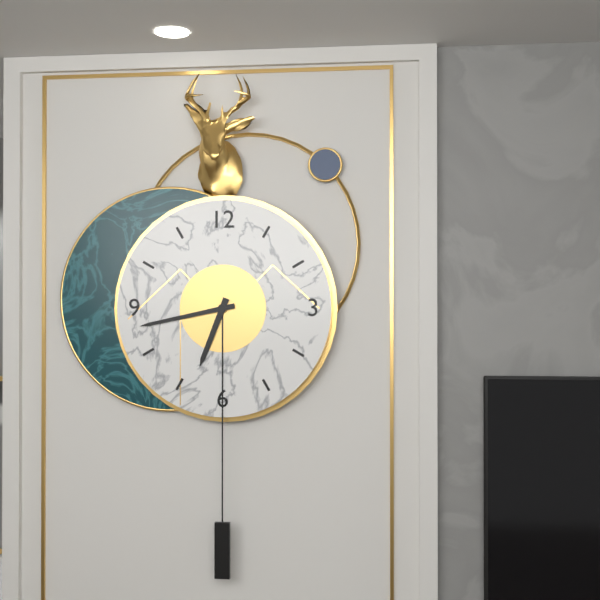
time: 6:43
